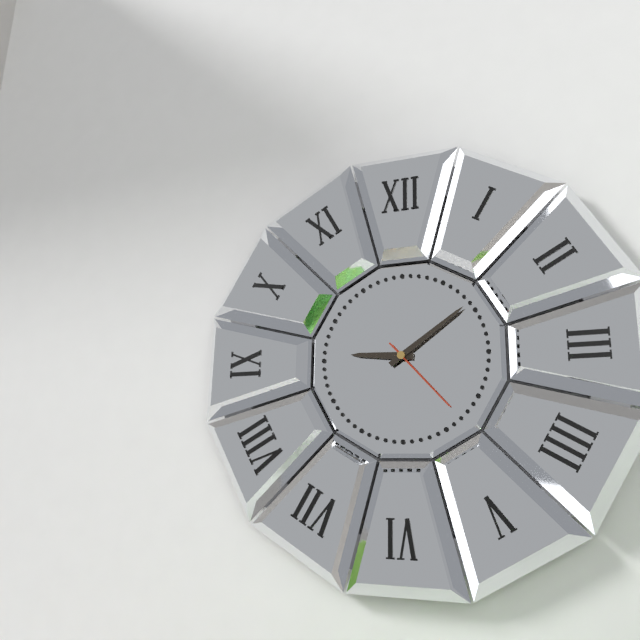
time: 9:09:23
